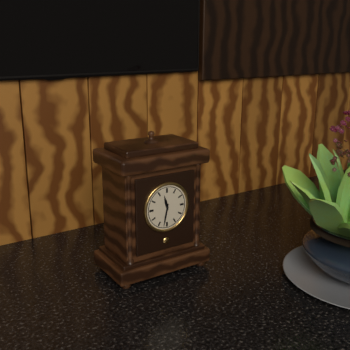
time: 11:32
